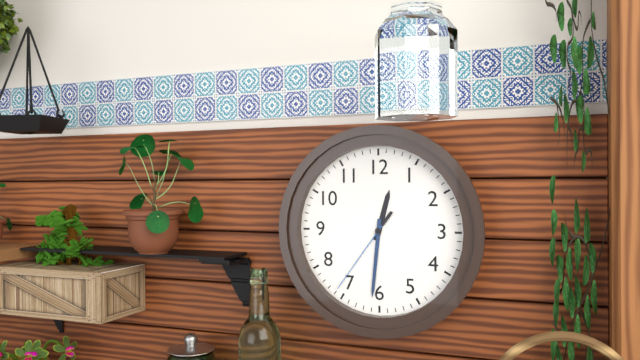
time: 12:31:36
